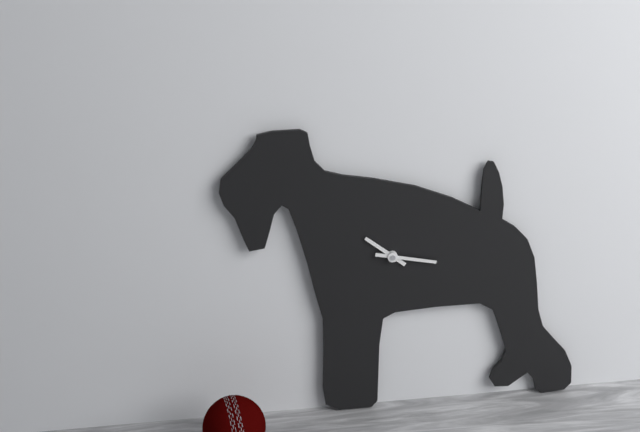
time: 10:17
